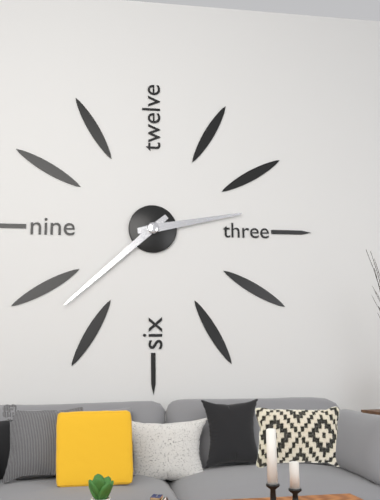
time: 2:38
